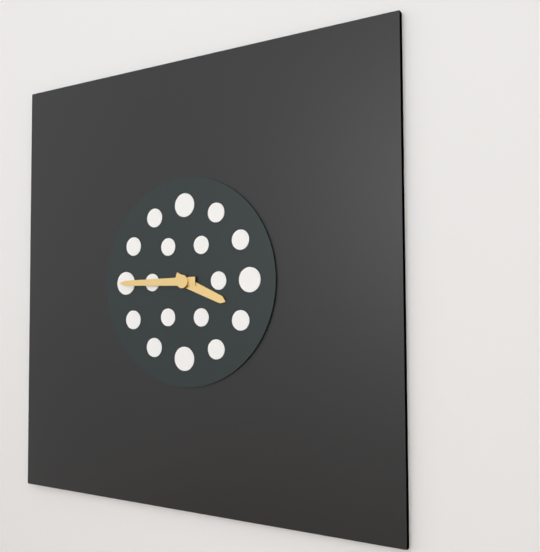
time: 3:45
